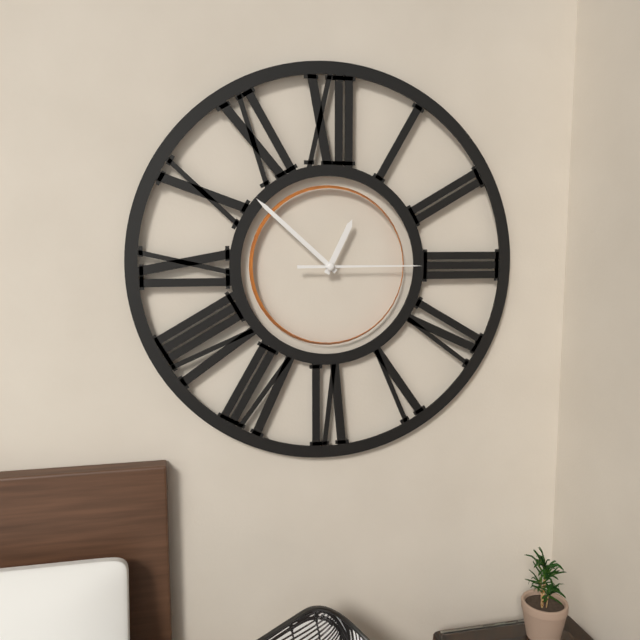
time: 12:52:15
